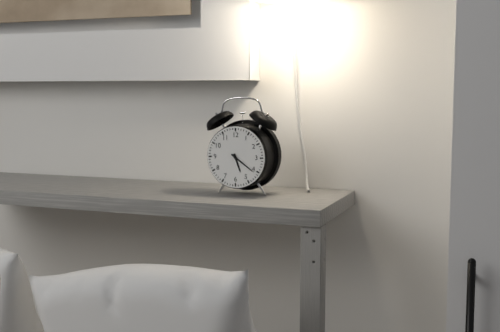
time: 5:21
